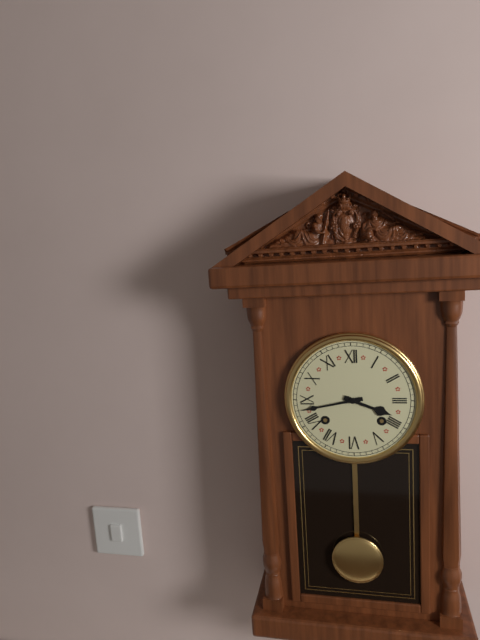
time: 3:43
